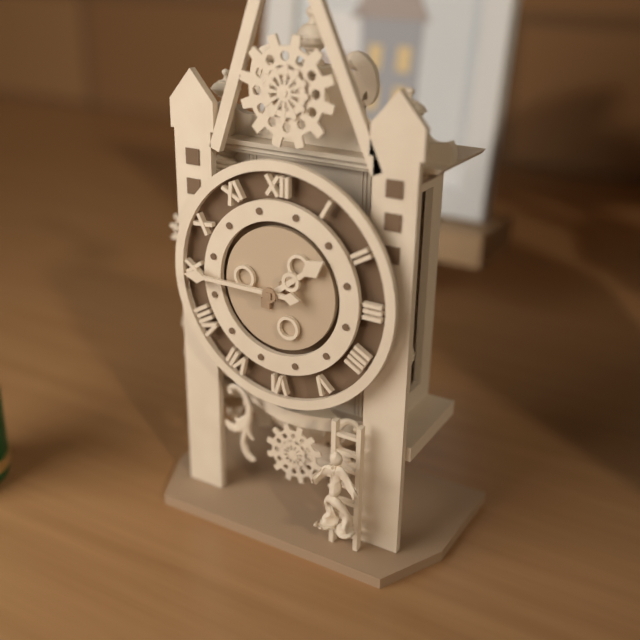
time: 1:45
